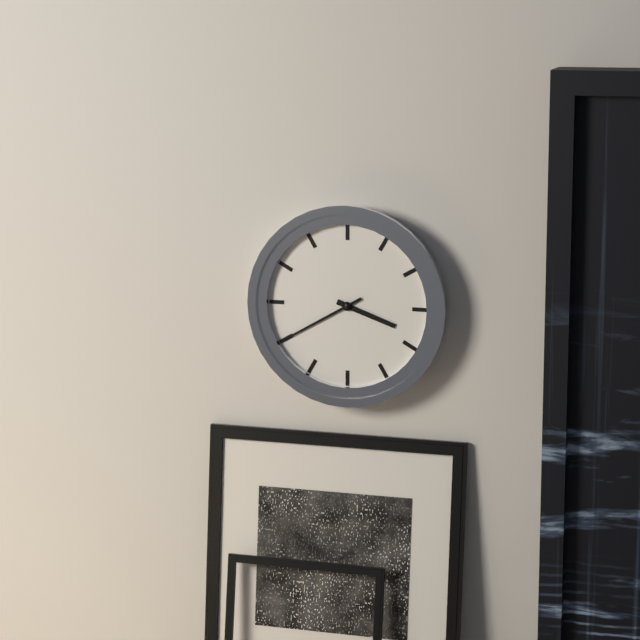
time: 3:40
